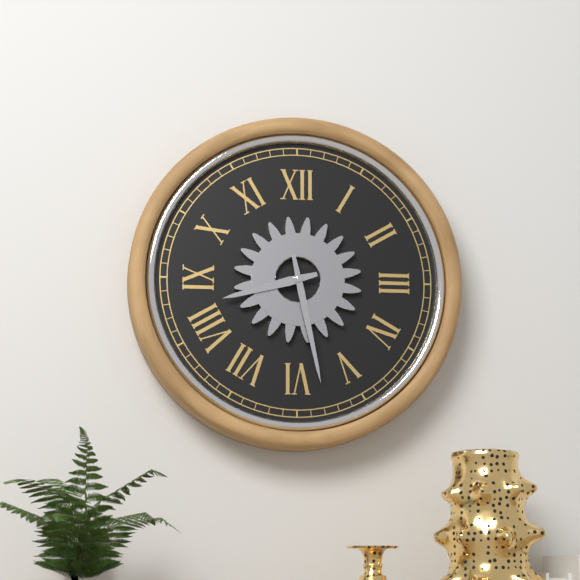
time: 8:28
